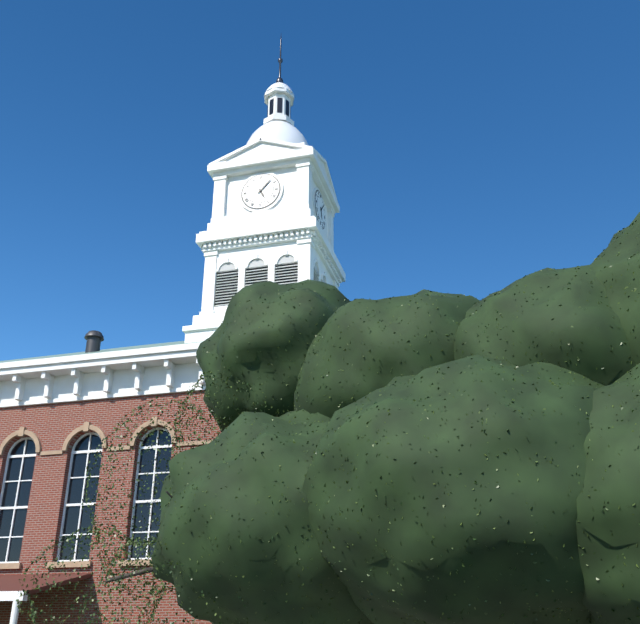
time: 5:07
